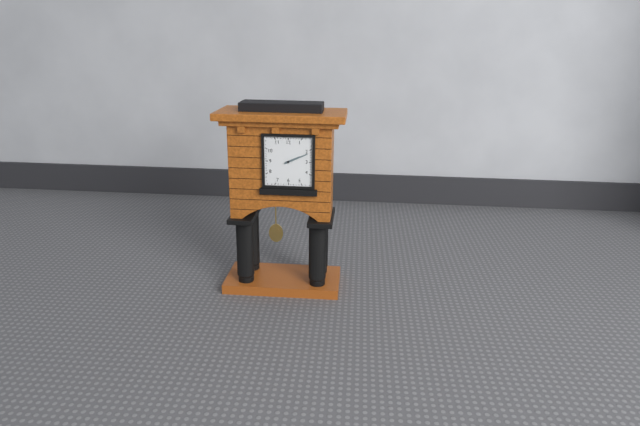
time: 2:11
